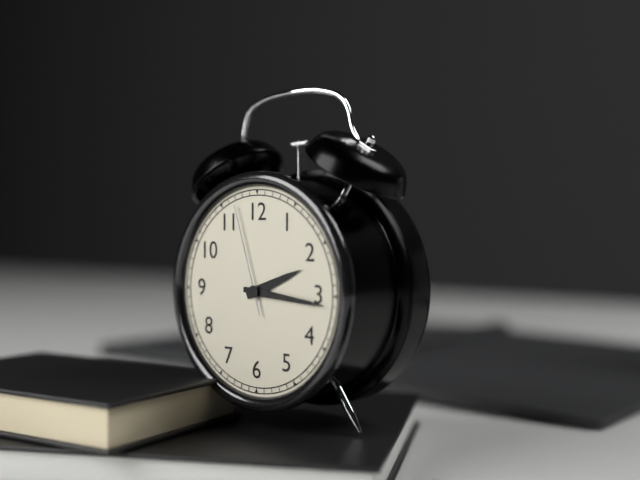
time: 2:16:57
